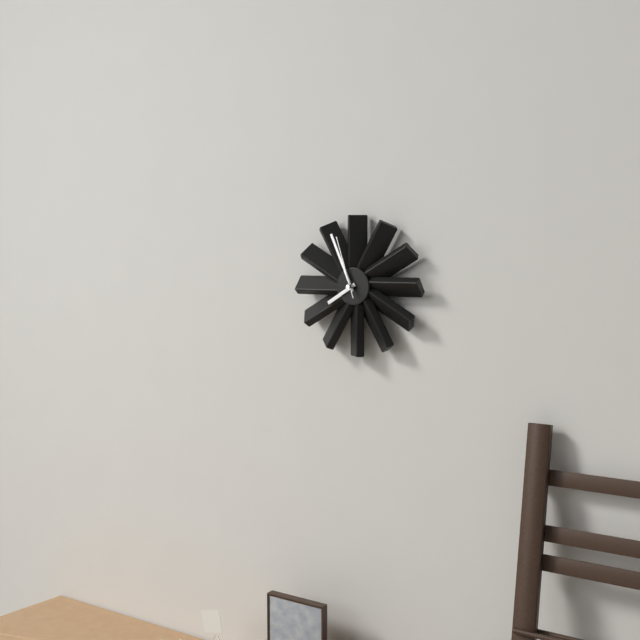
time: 7:56:57
